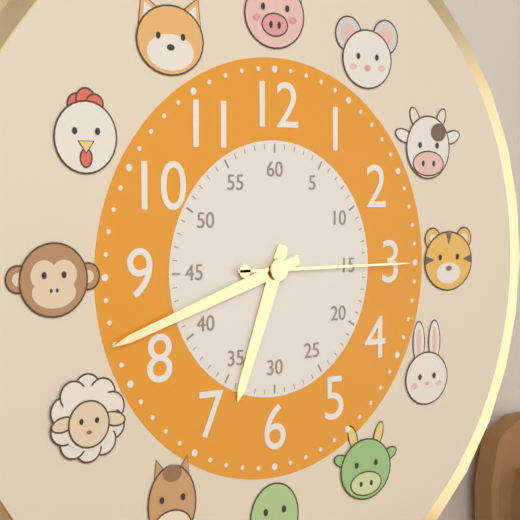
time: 6:42:15
